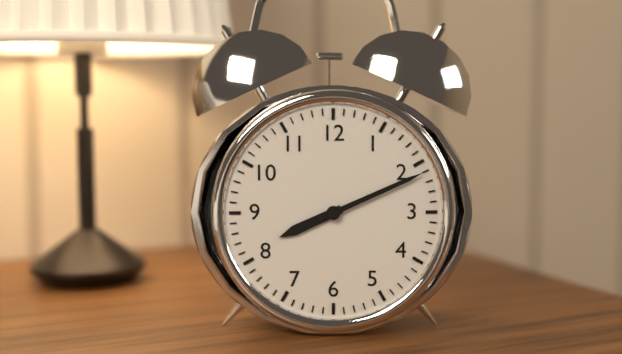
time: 8:11
